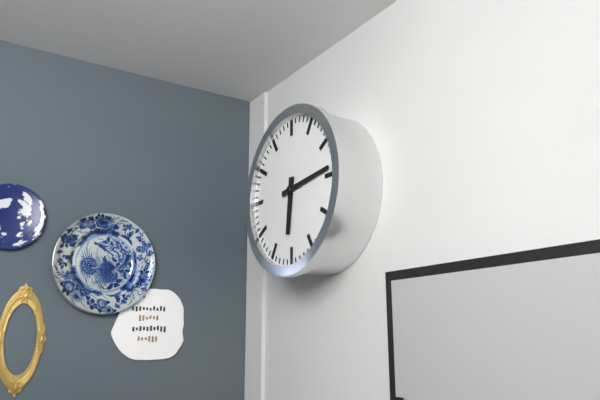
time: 6:14
